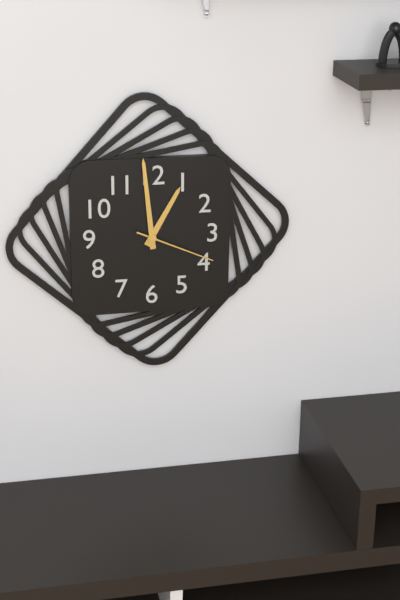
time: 12:59:19
